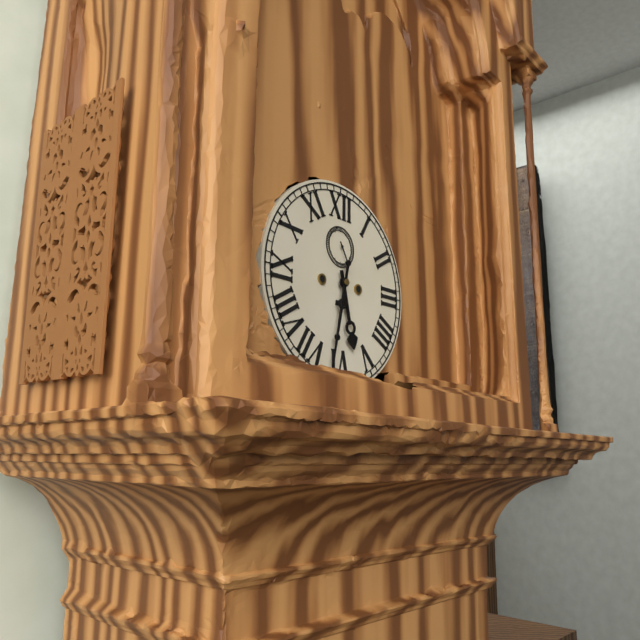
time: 5:32
